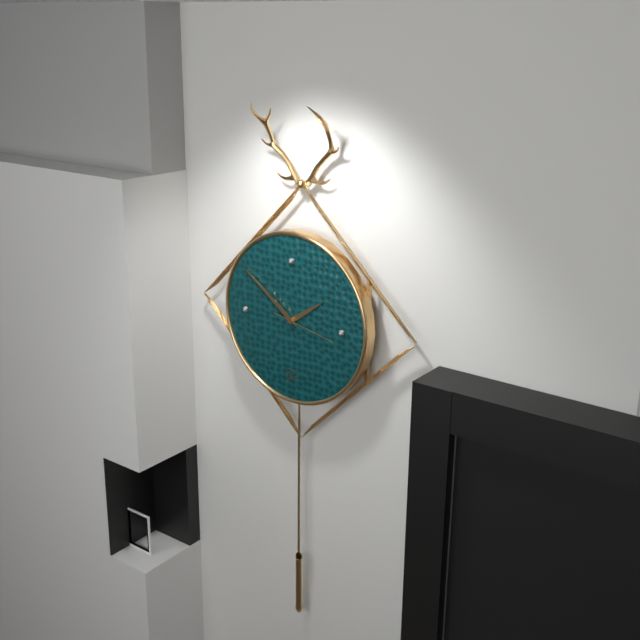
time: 1:51:17
